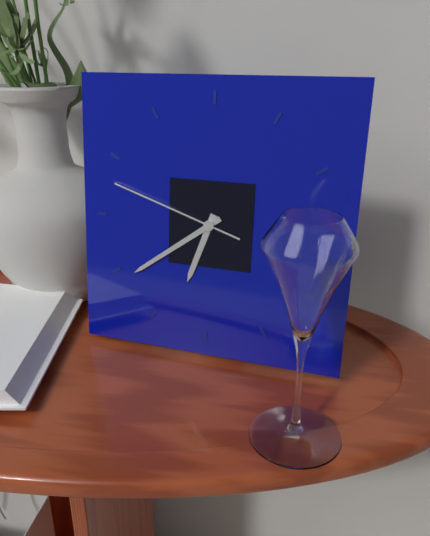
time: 6:39:48
